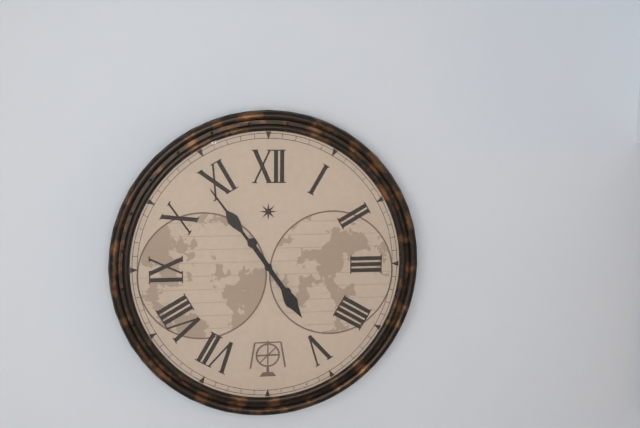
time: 4:54
